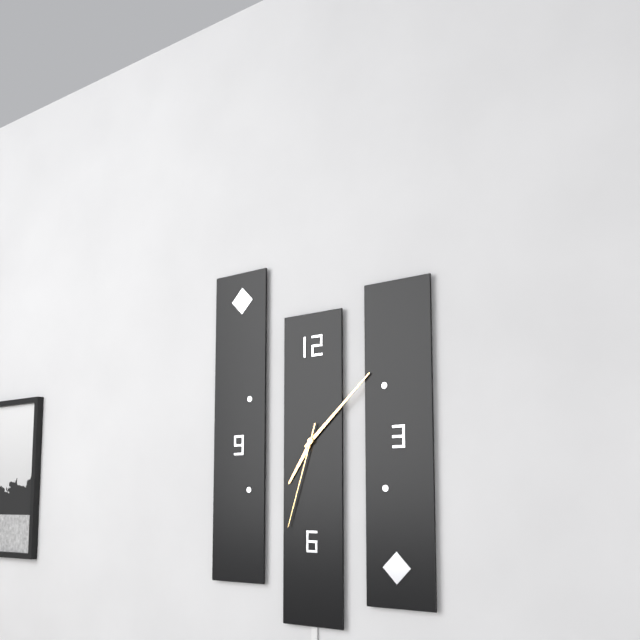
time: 7:08:33
